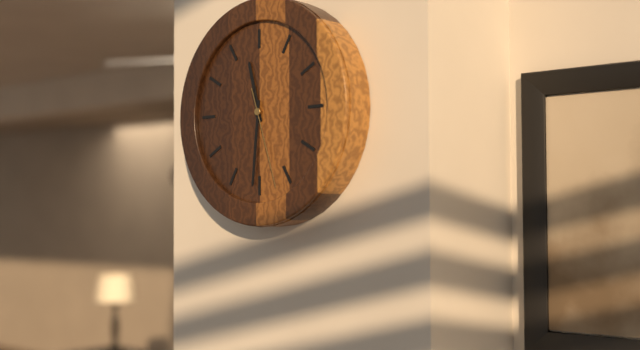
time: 11:31:27
